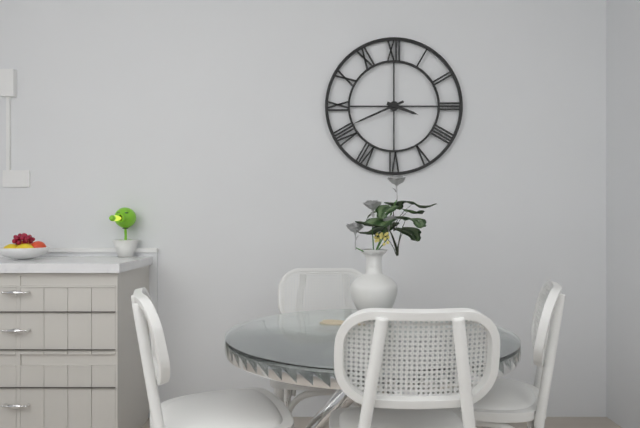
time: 3:41
